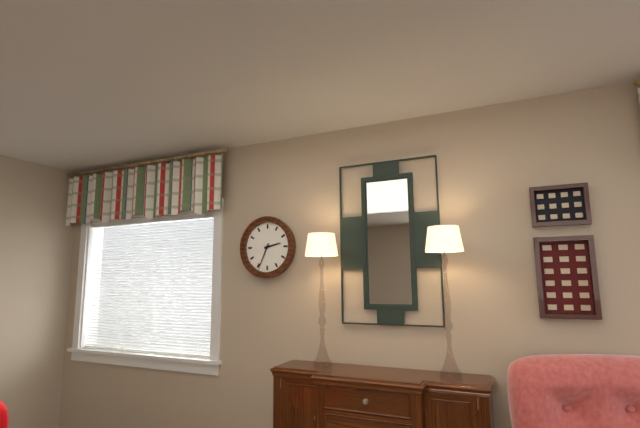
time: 2:34
